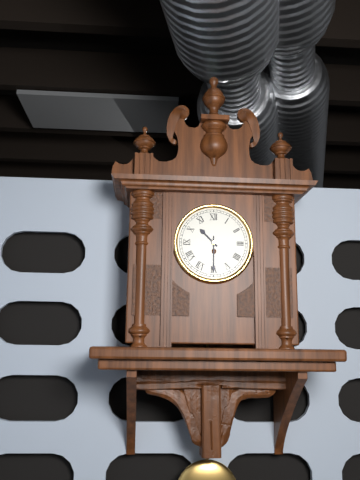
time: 10:30
